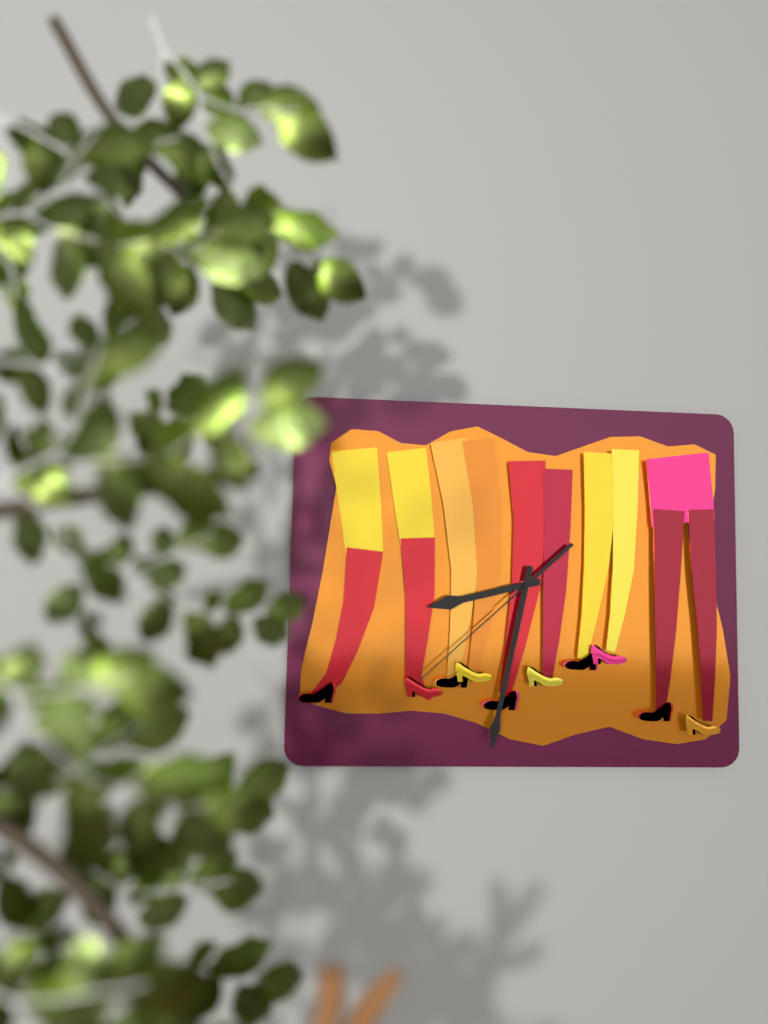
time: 8:32:38
